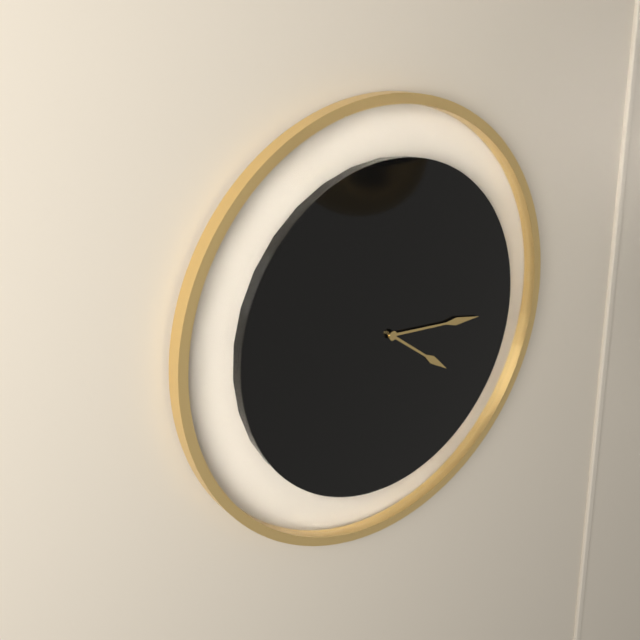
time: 4:16
